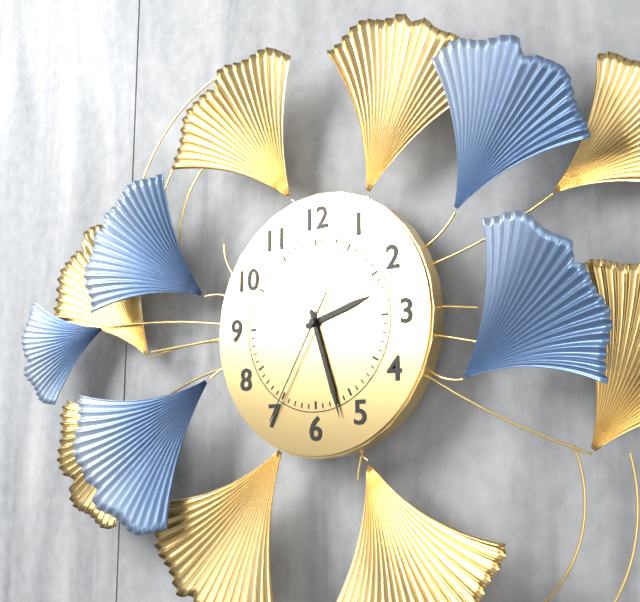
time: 2:27:35
